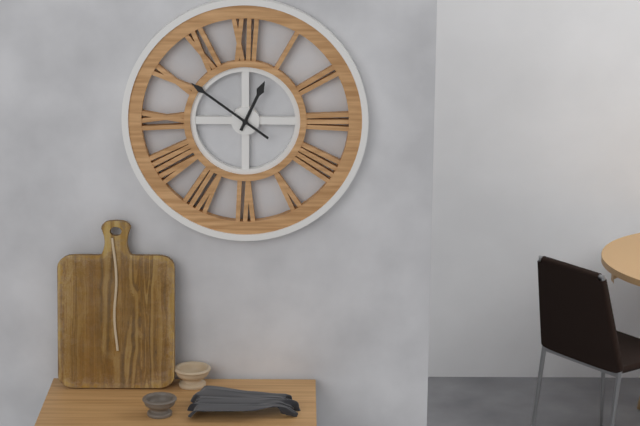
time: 12:51
